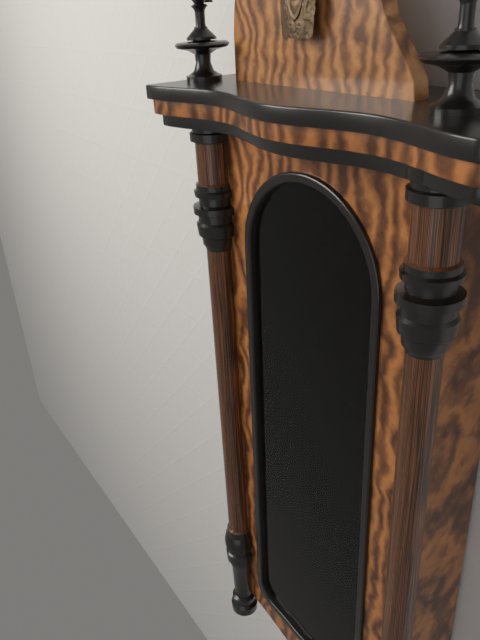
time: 4:28
